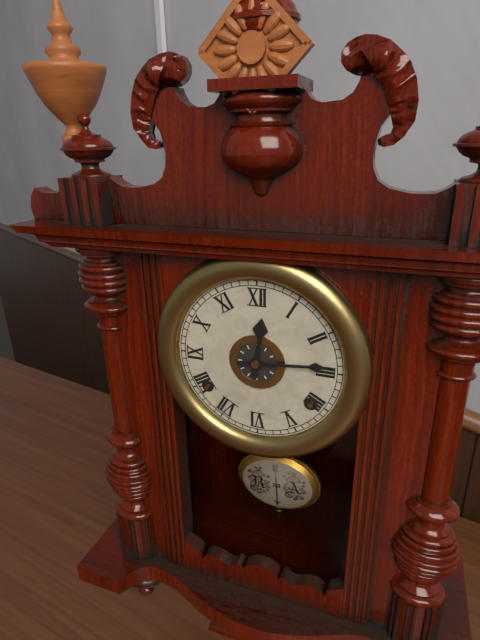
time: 12:14
